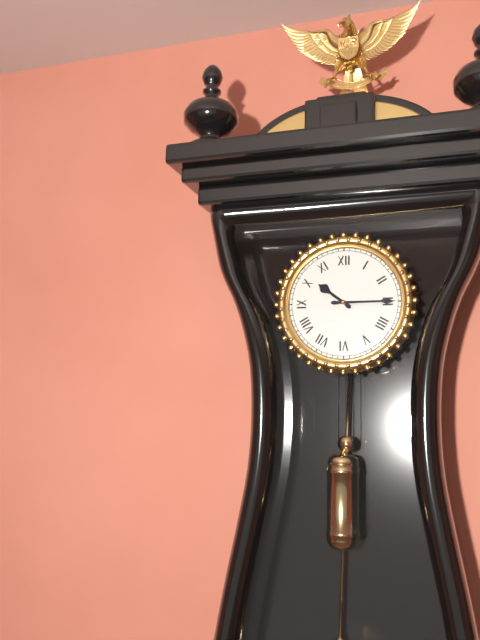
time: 10:15
